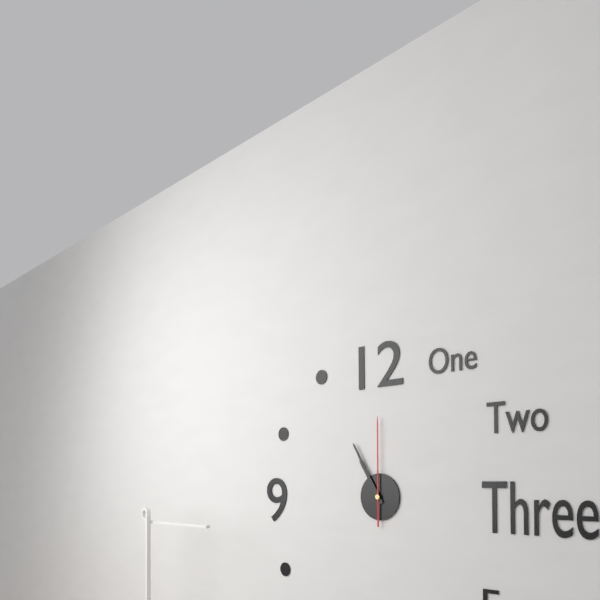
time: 10:55:00
